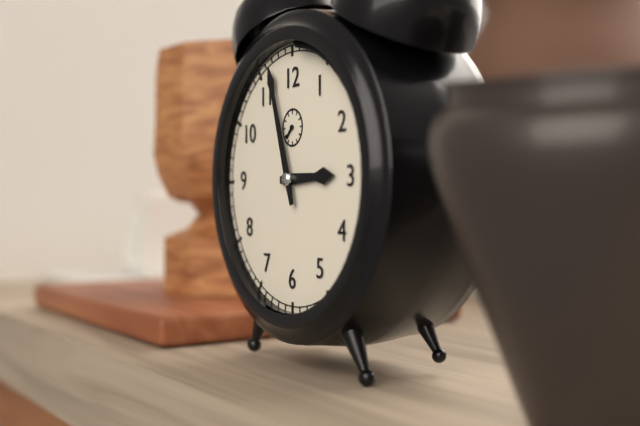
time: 2:57
